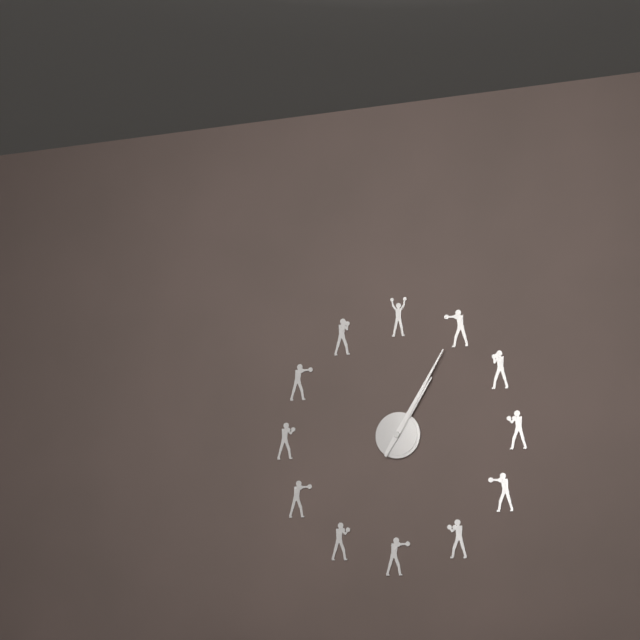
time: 1:05
